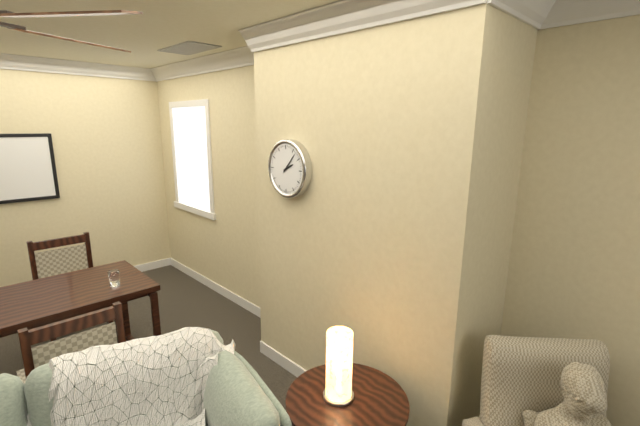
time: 2:07
